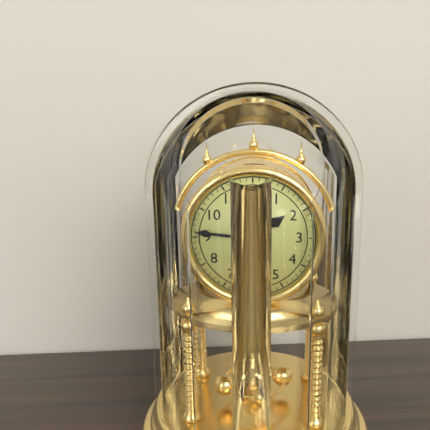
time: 1:46
